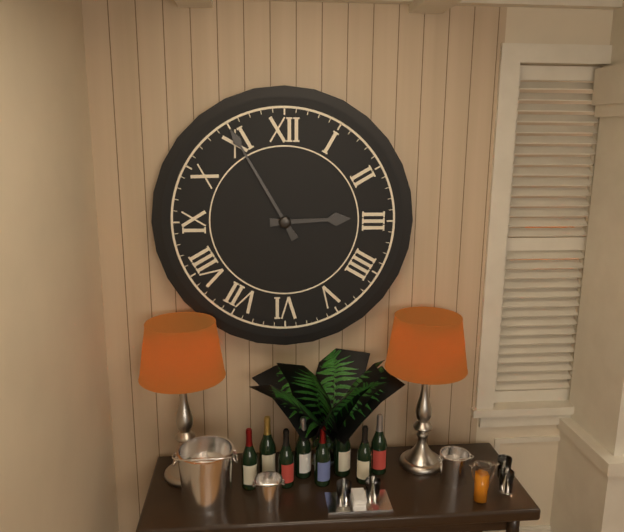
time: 2:55
